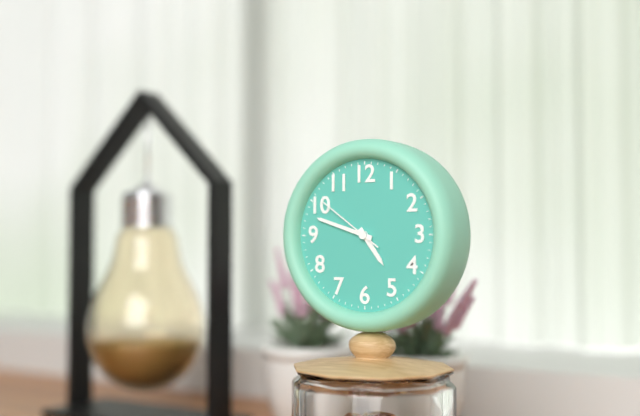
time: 4:48:51
